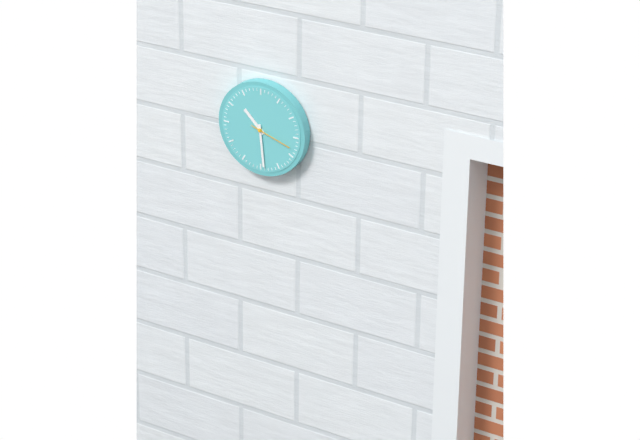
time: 10:29
